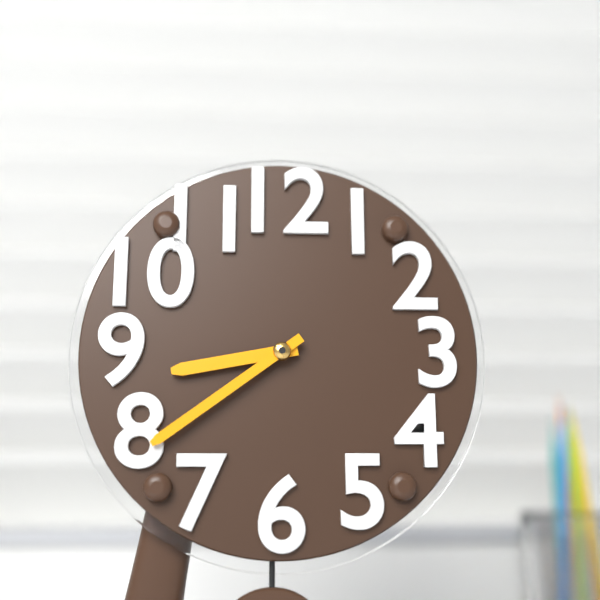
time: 8:39
